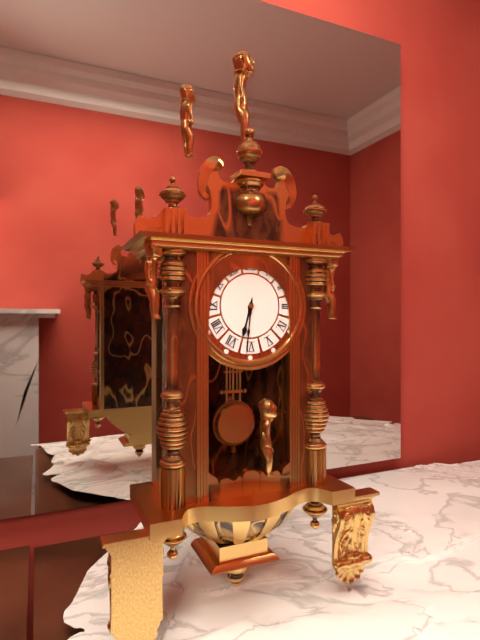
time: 6:31
